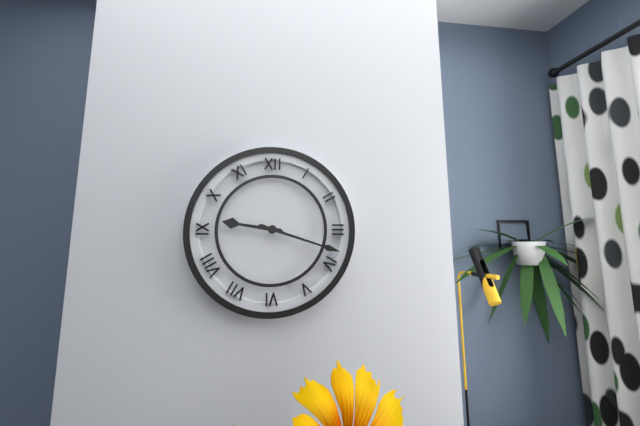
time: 9:18
